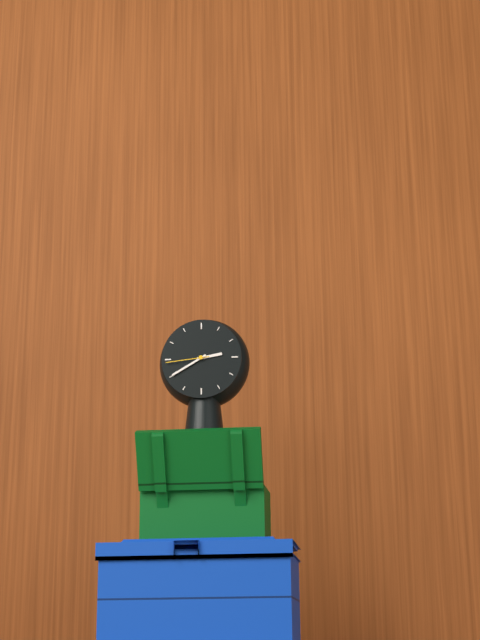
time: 2:40
